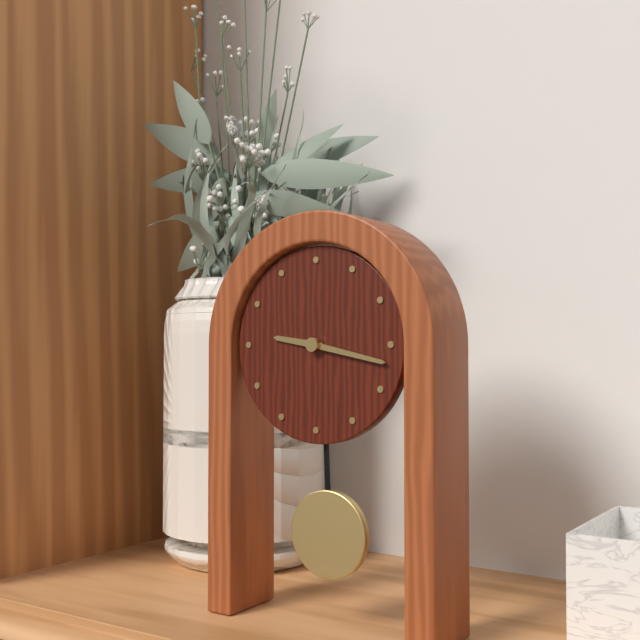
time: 9:17
